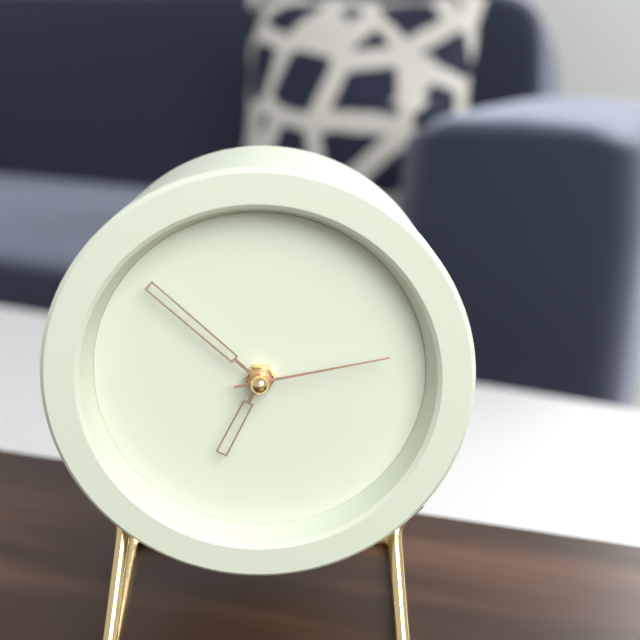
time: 6:52:13
